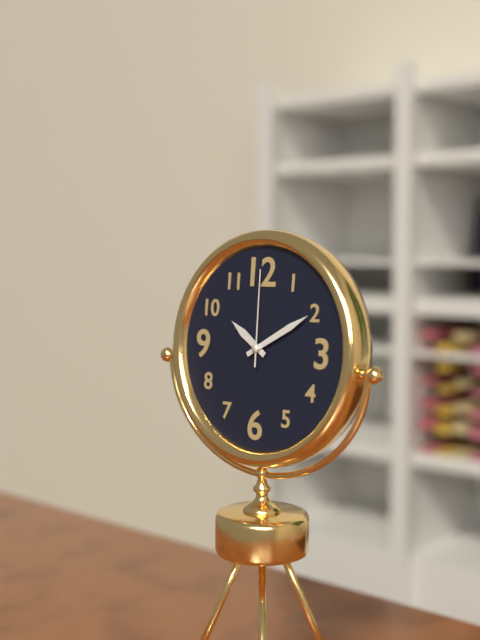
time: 10:10:00
